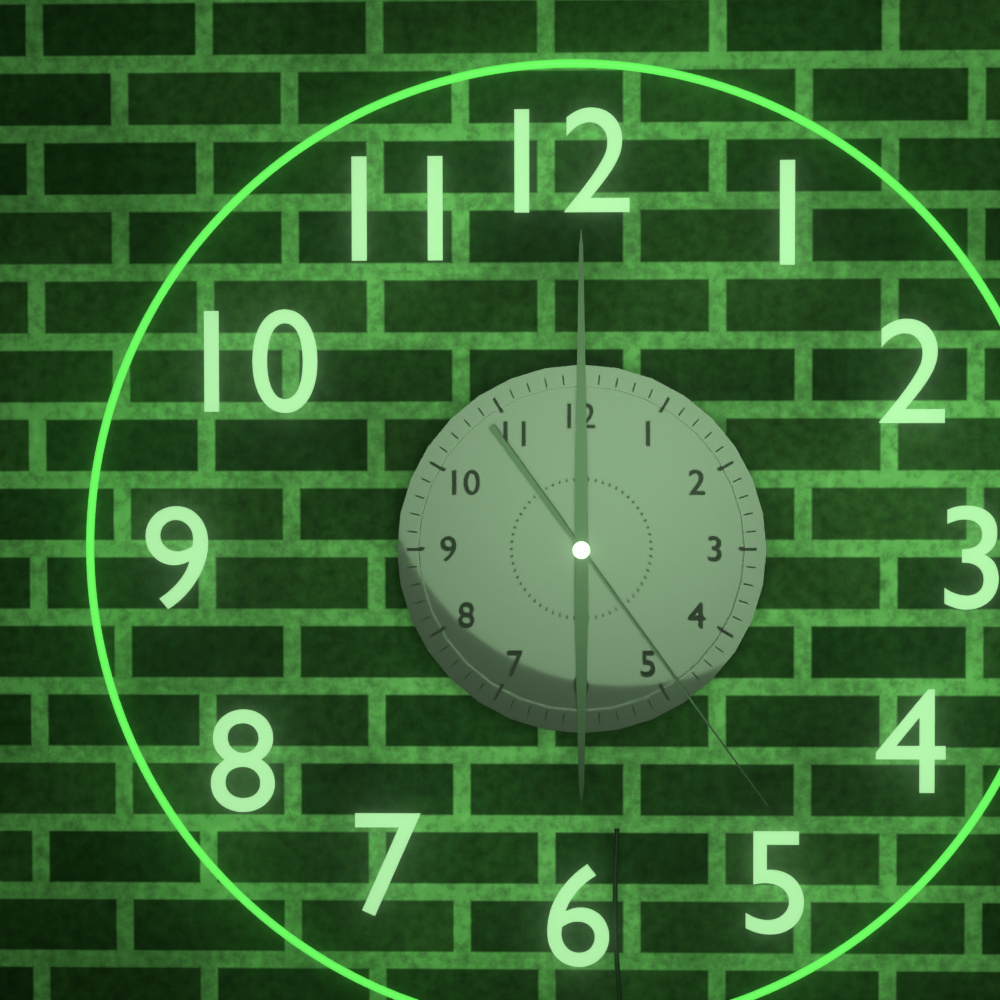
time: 6:00:24
